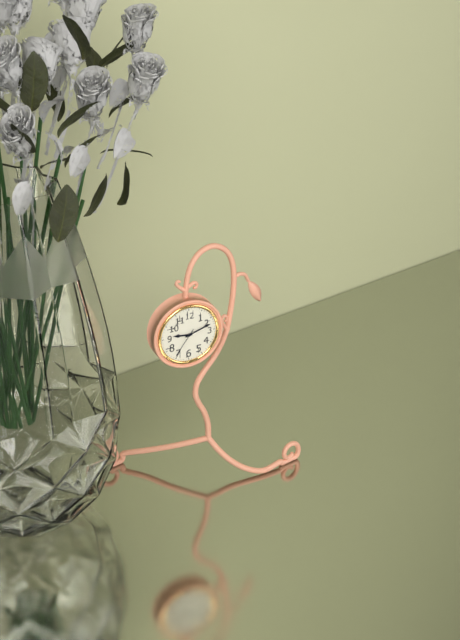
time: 9:12
